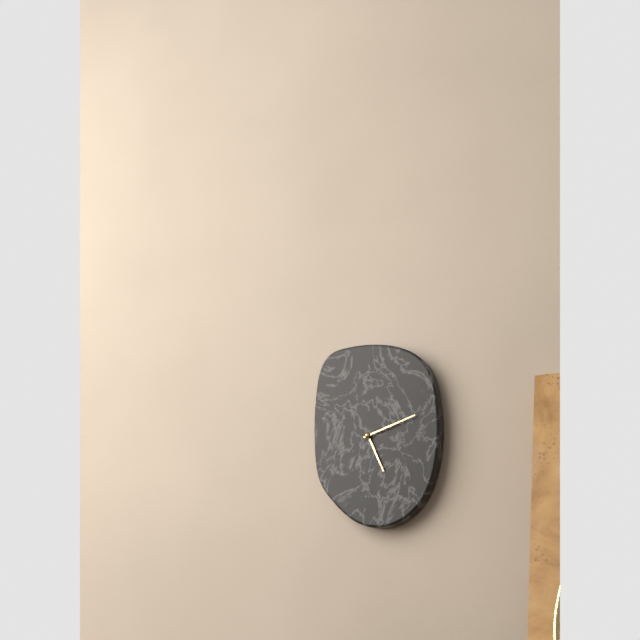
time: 5:12
